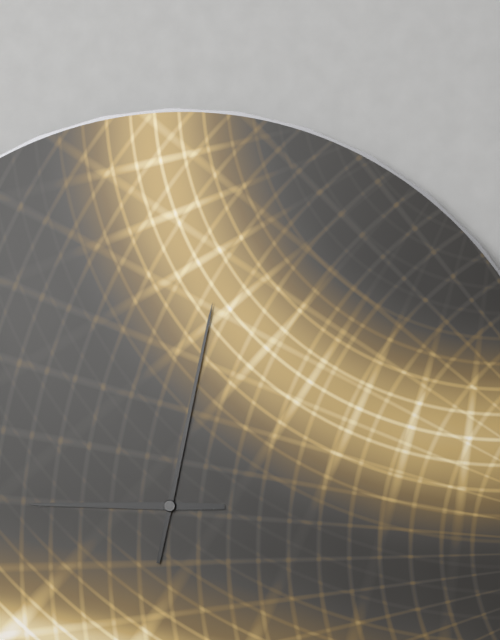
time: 9:02
